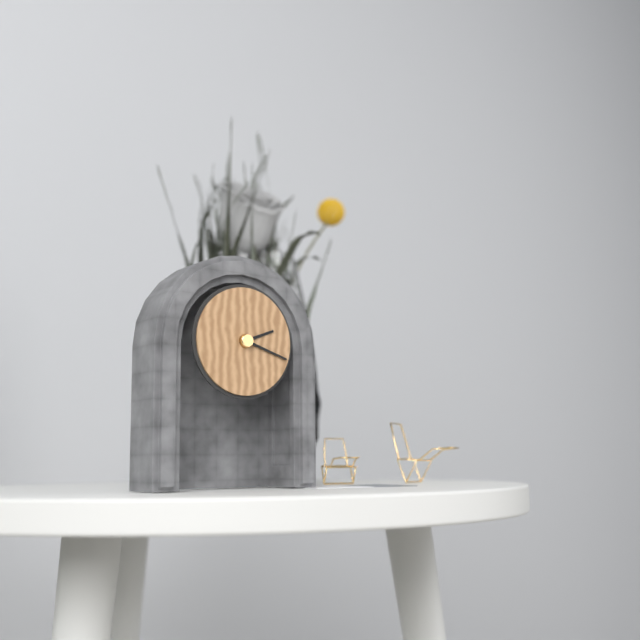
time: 2:18
